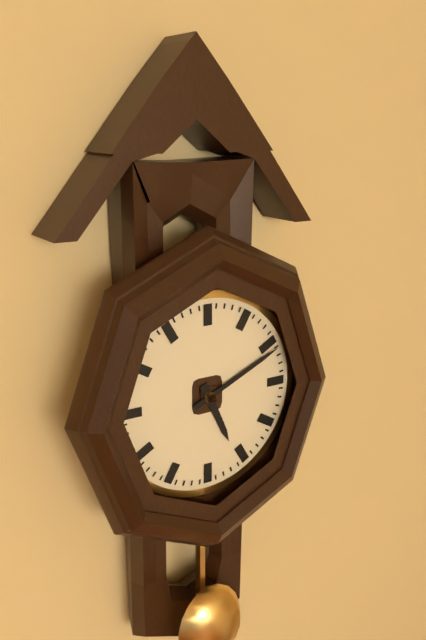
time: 5:11
